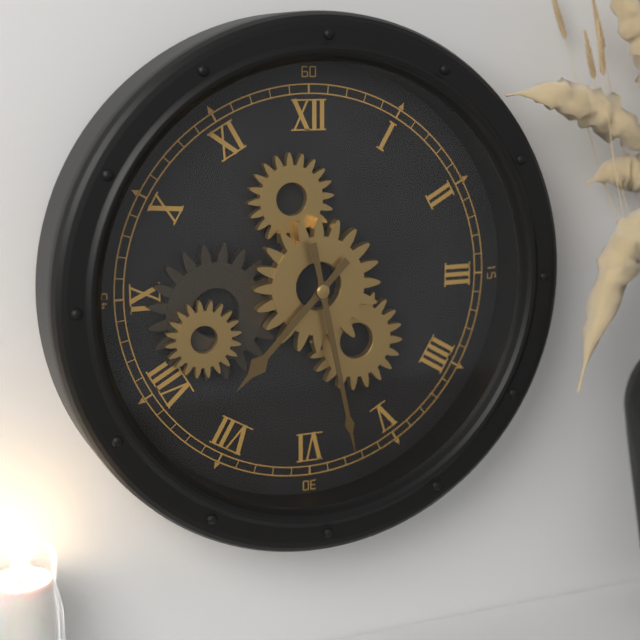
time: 7:28
